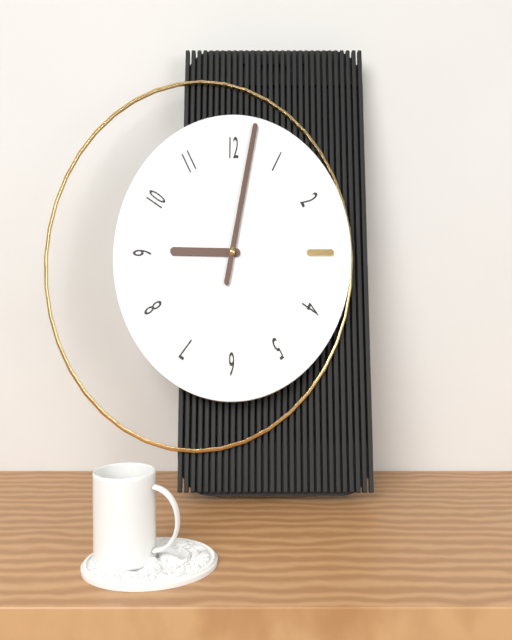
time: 9:02
